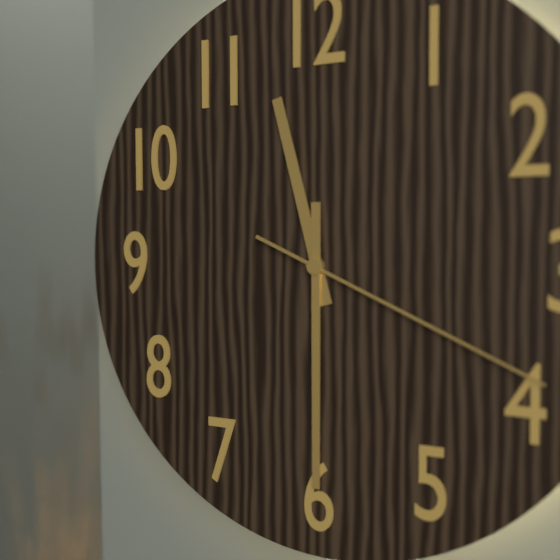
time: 11:30:19
